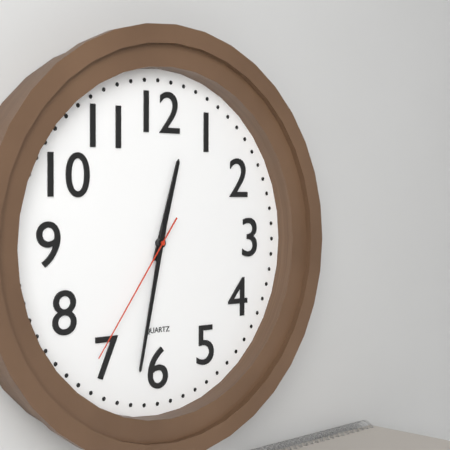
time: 12:32:36
